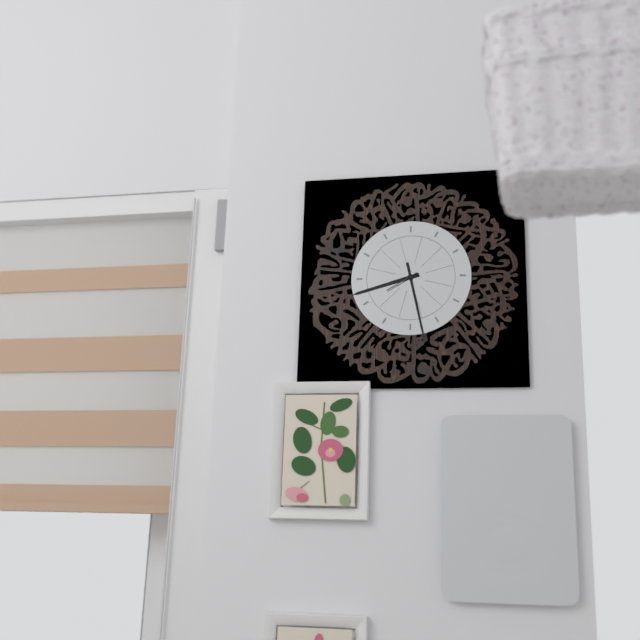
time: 8:28
